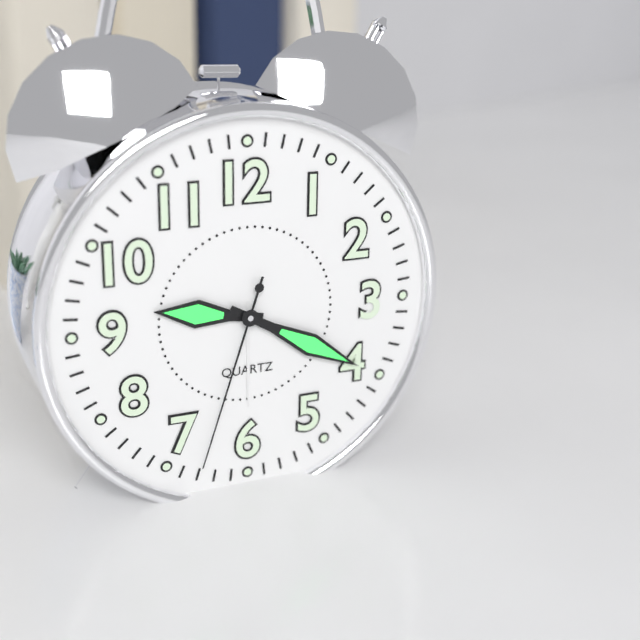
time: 9:20:33
